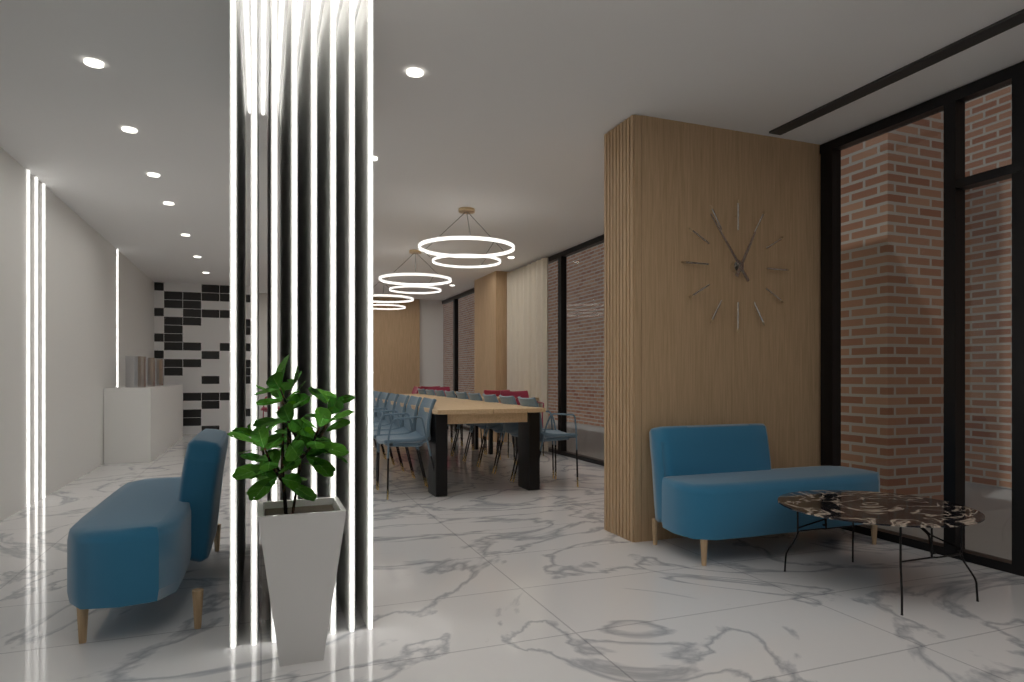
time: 12:54
